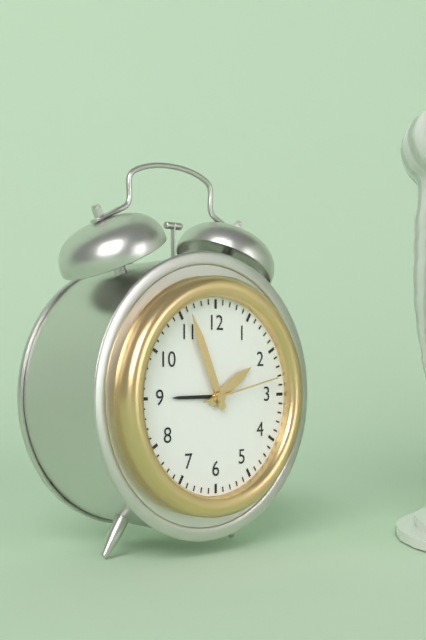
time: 1:56:13
